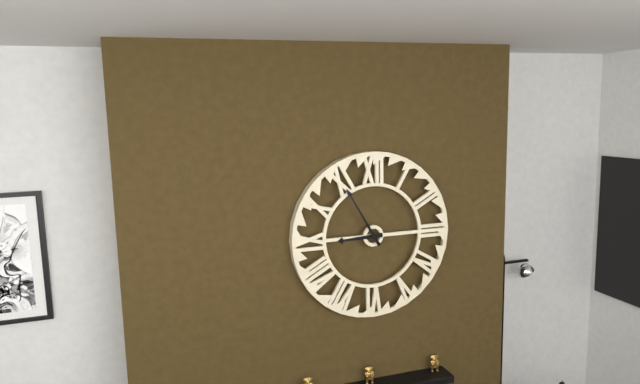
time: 8:55
